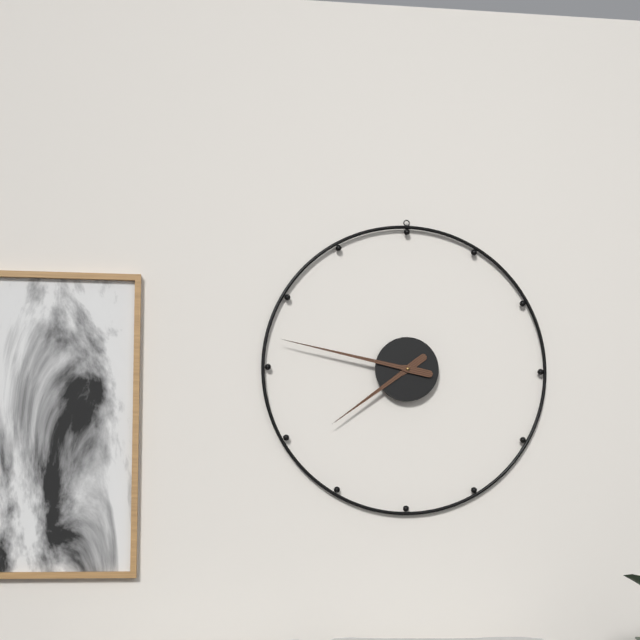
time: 7:47
